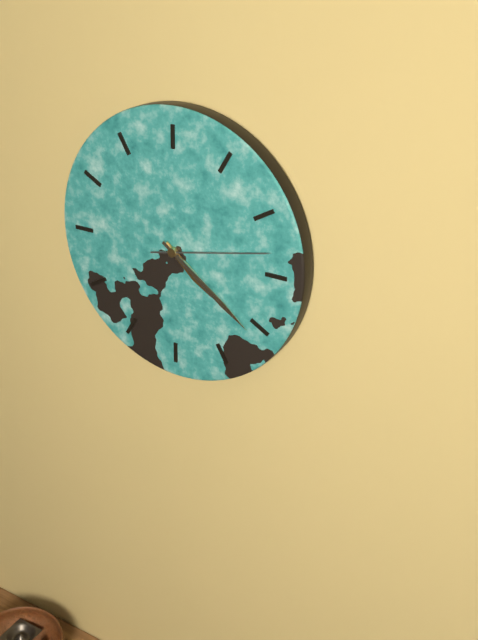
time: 4:21:13
